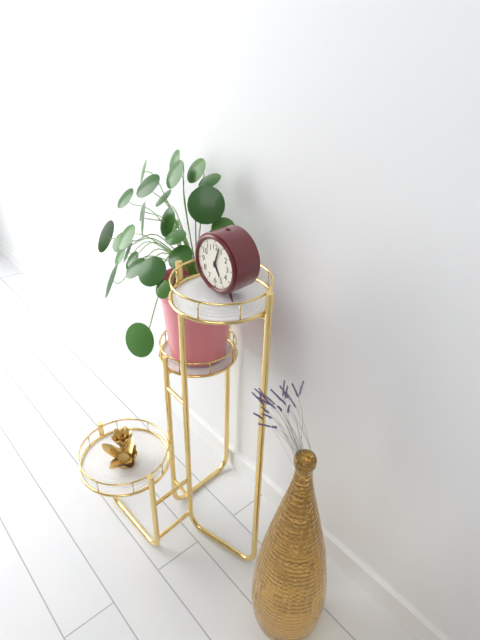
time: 5:03
